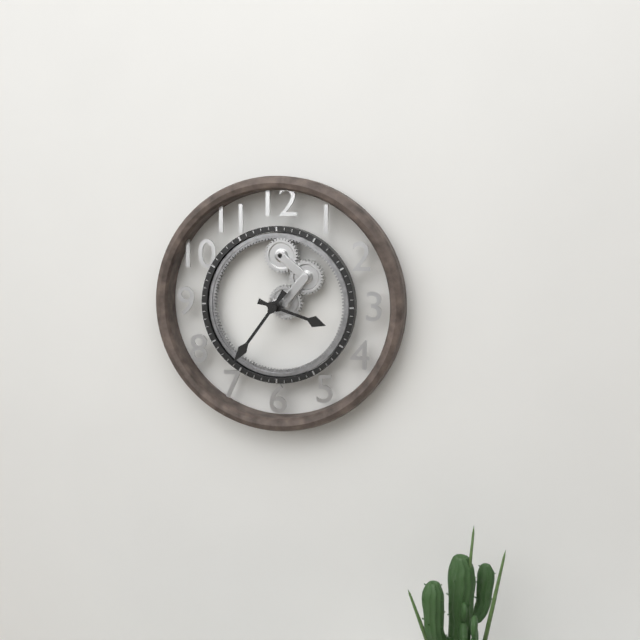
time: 3:36
